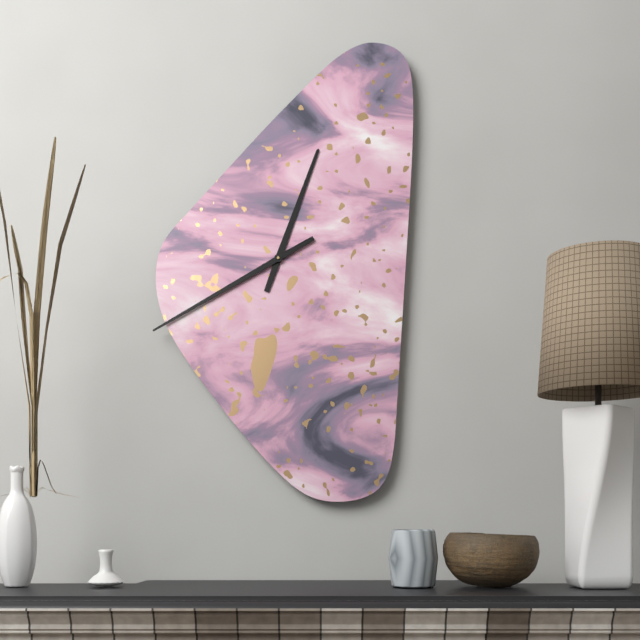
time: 12:40
